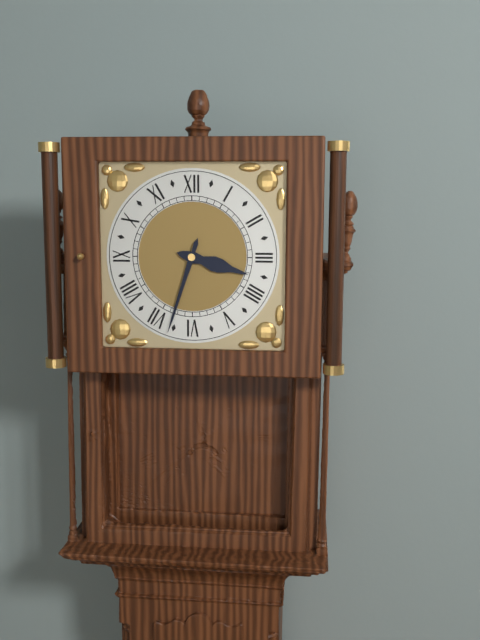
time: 3:33
